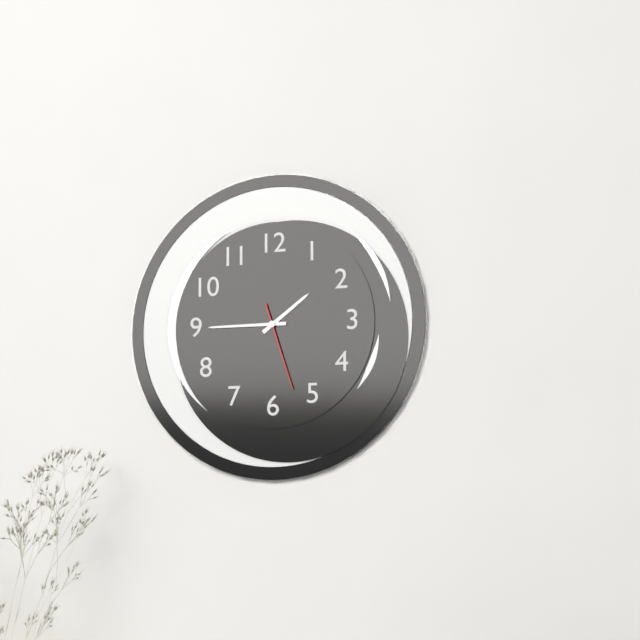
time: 1:45:27
